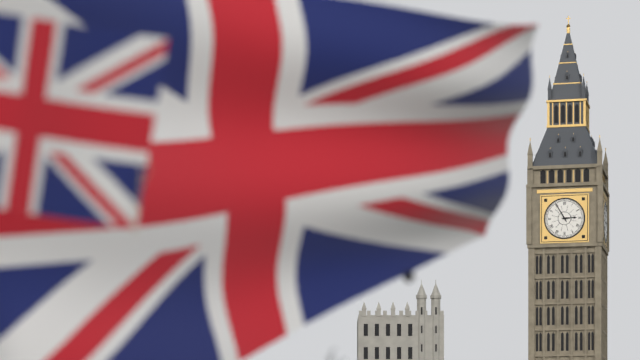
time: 2:55
